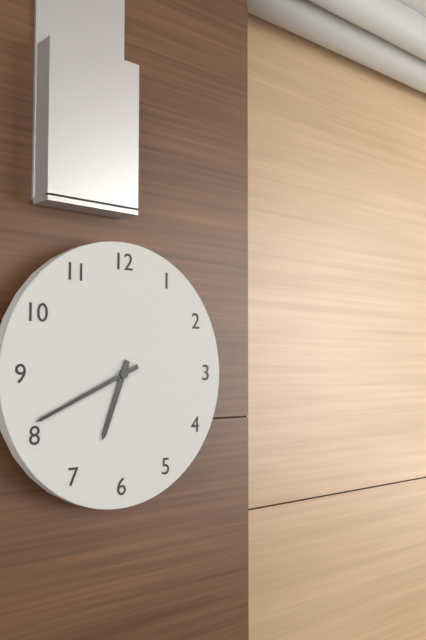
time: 6:41
